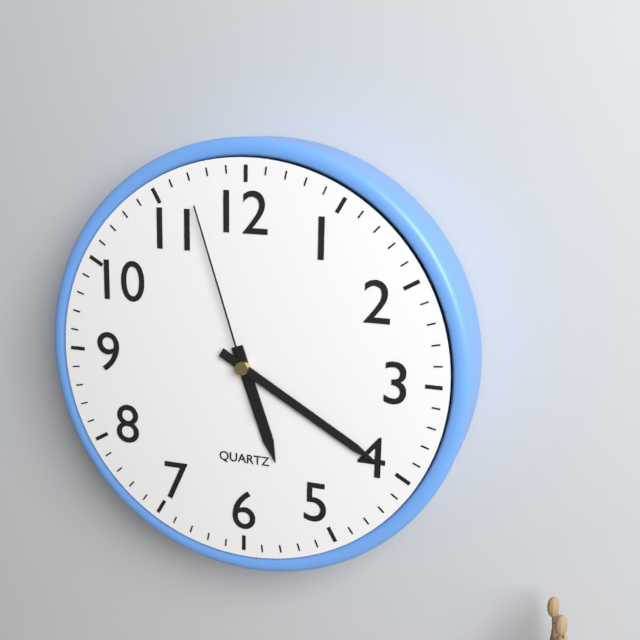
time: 5:20:57
